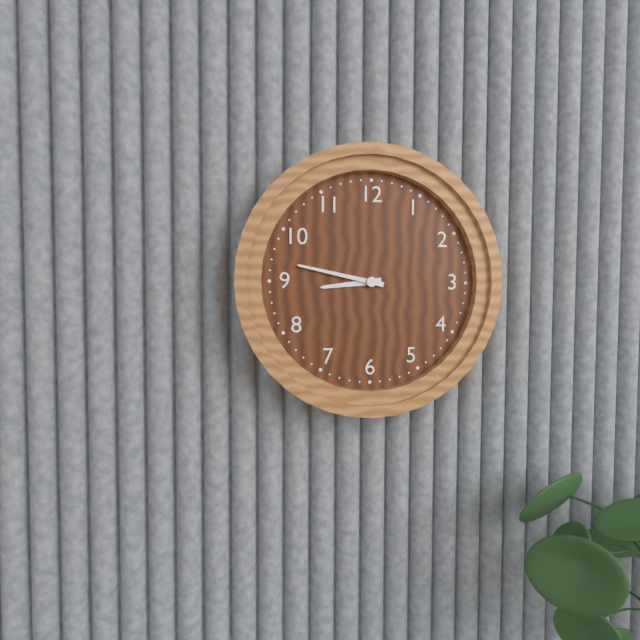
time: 8:47
